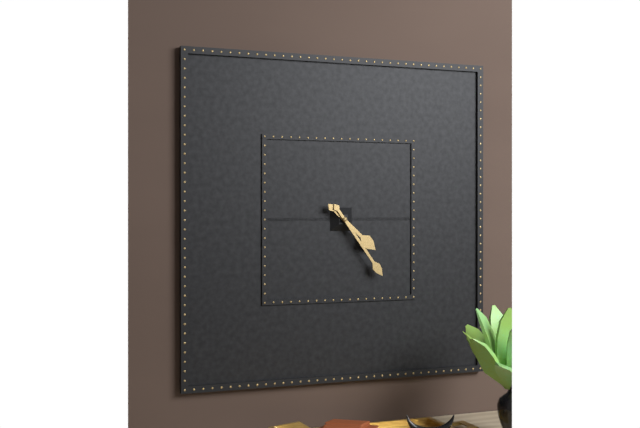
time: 4:24
